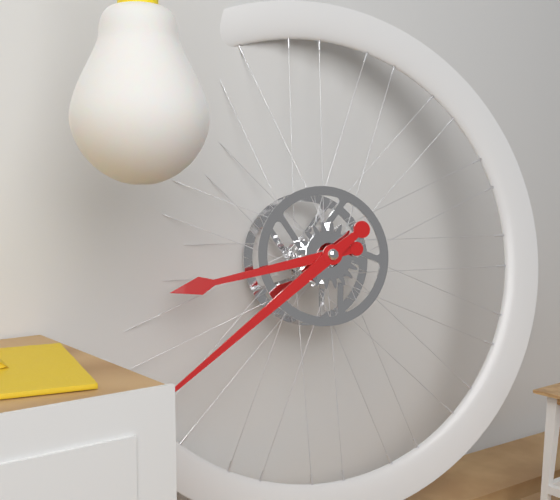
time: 8:39
